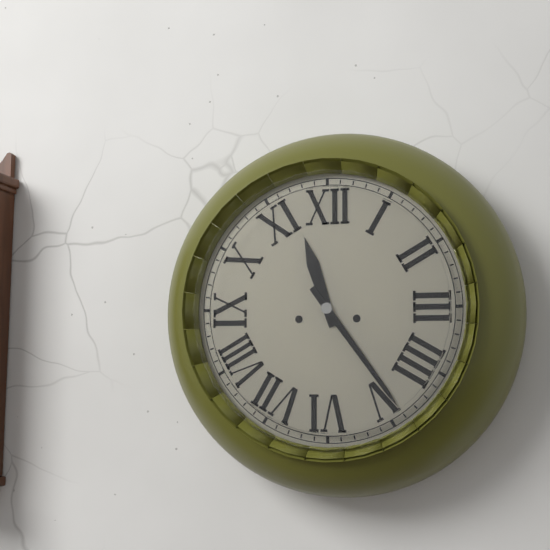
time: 11:24
